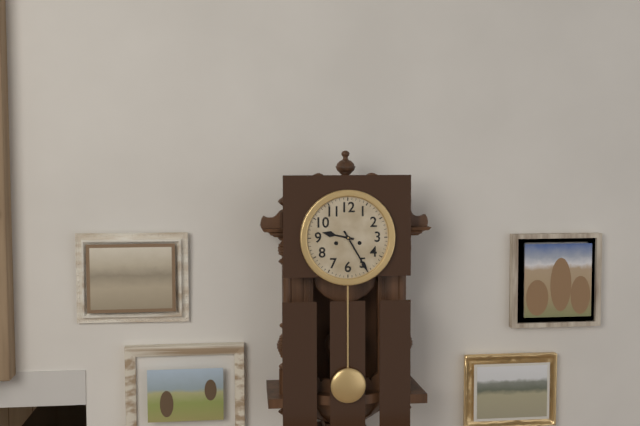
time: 9:25
